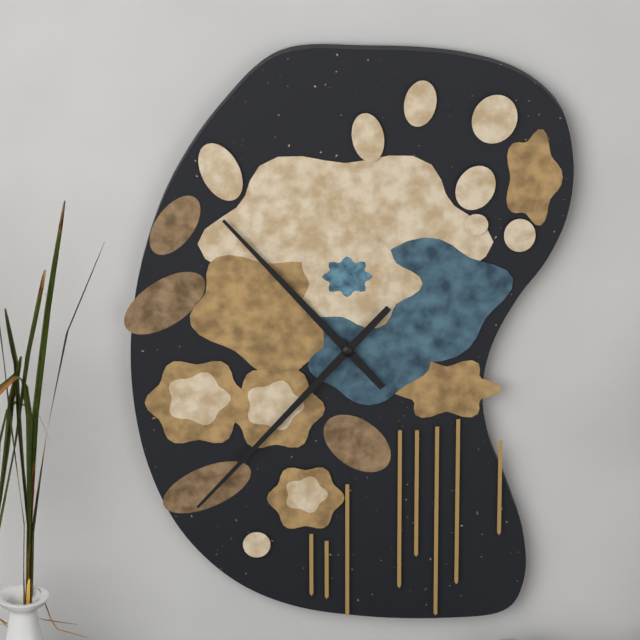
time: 10:37
